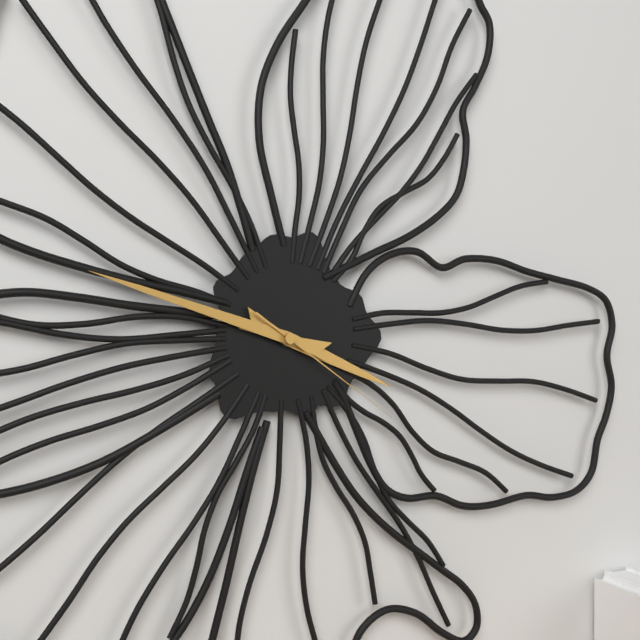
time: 3:48:21
